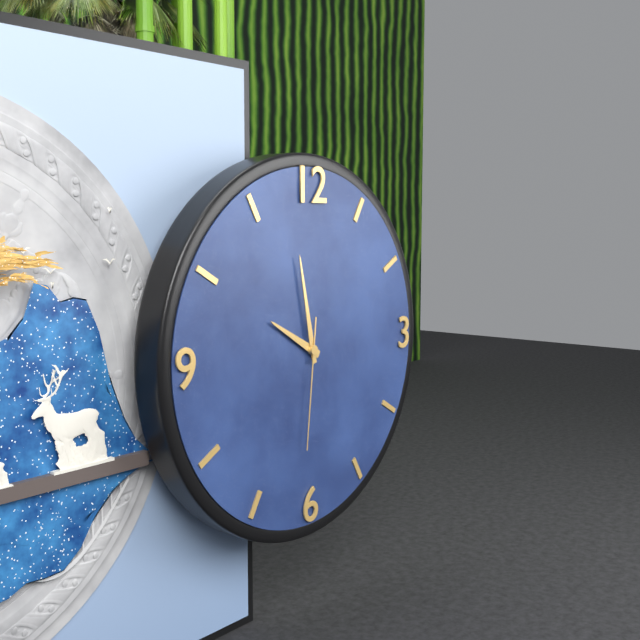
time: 9:58:31
